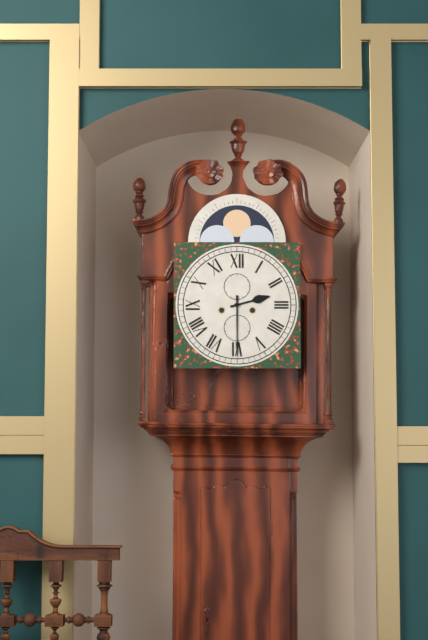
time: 2:30
